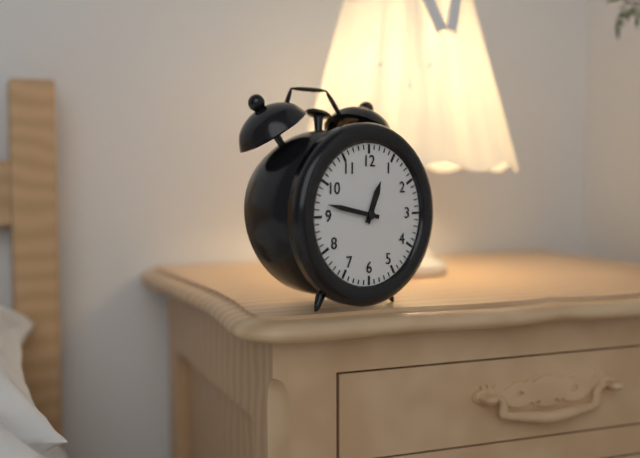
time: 12:47
